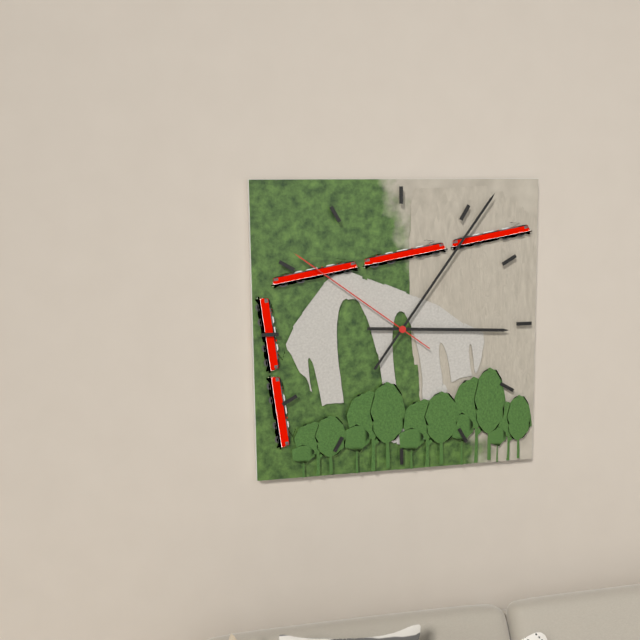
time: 3:06:51
